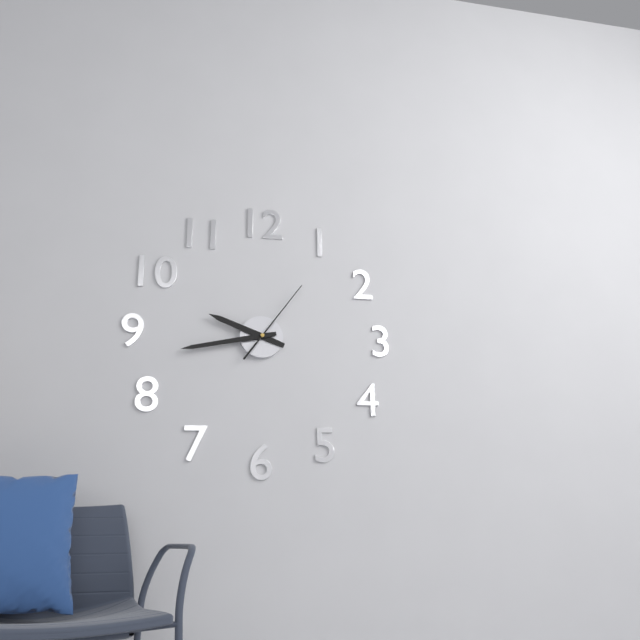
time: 9:43:06
